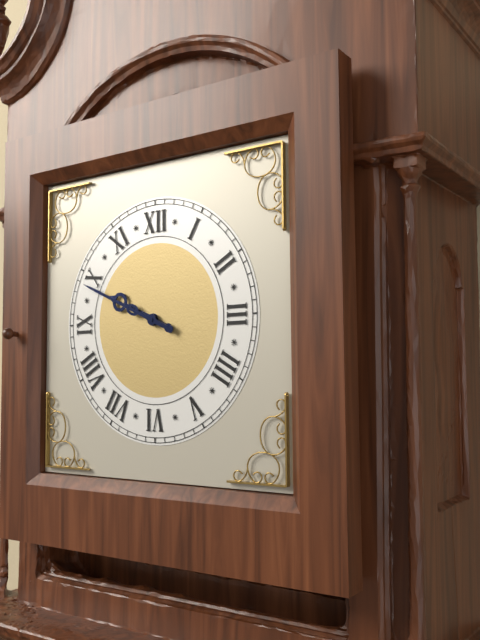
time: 9:49
